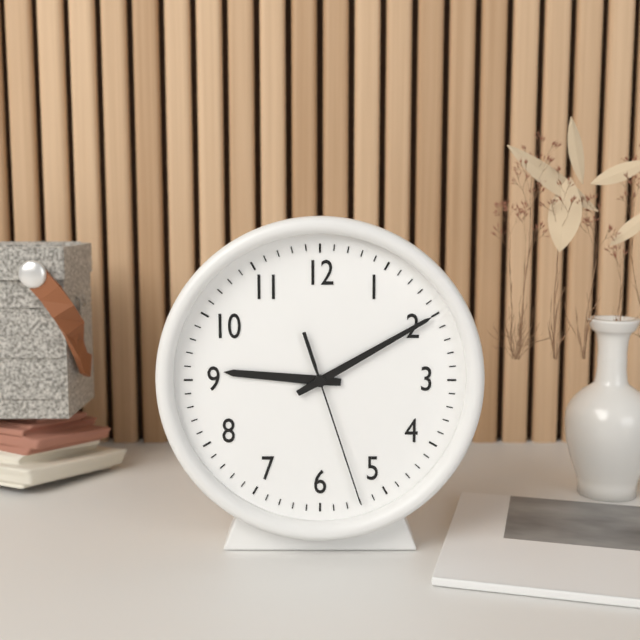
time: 9:10:27
